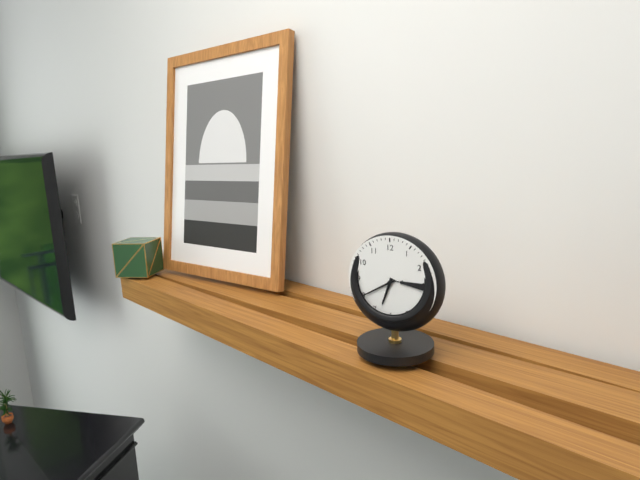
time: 6:40
